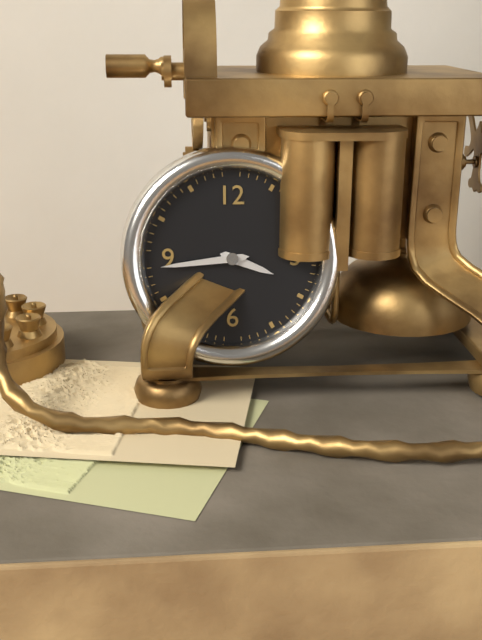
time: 3:44
